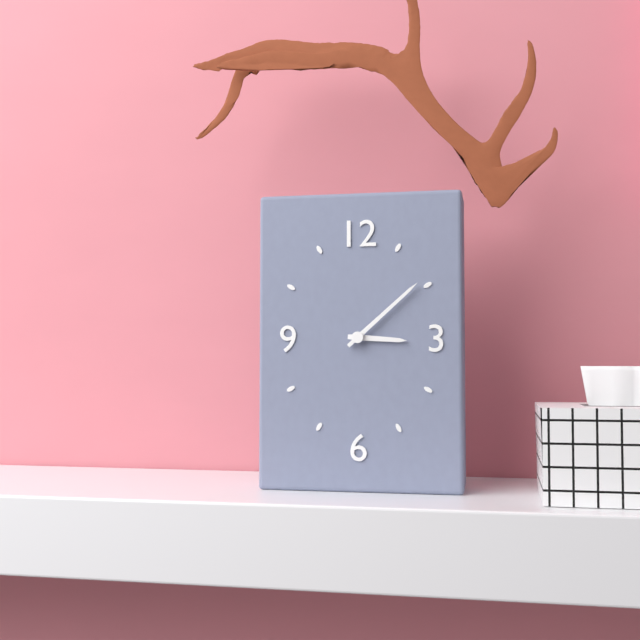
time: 3:08
